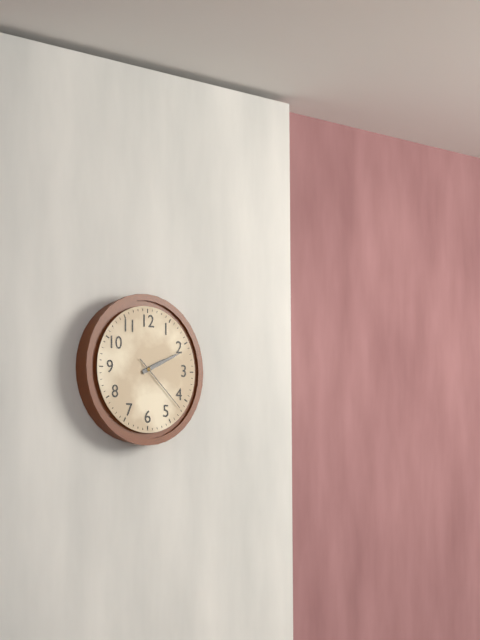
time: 2:11:22
